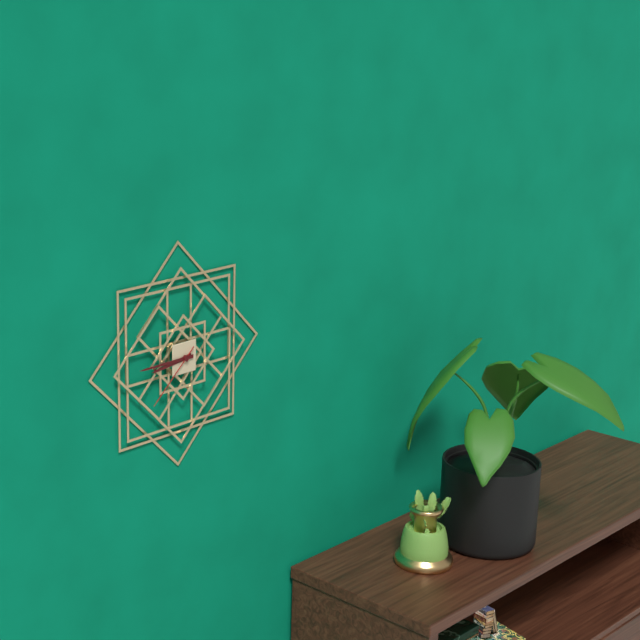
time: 8:45:38
